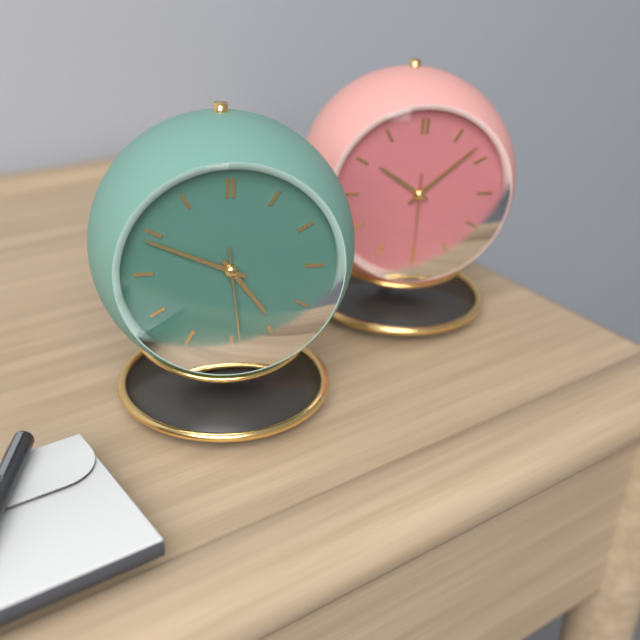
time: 4:49:29
